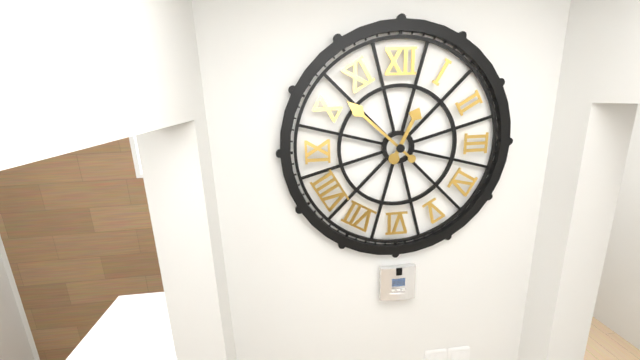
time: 12:52
